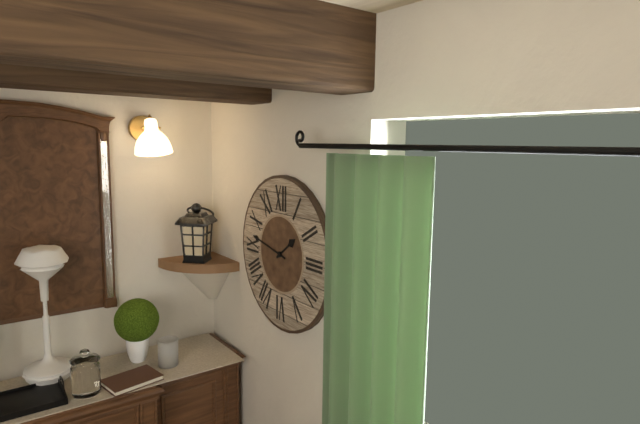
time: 1:47
